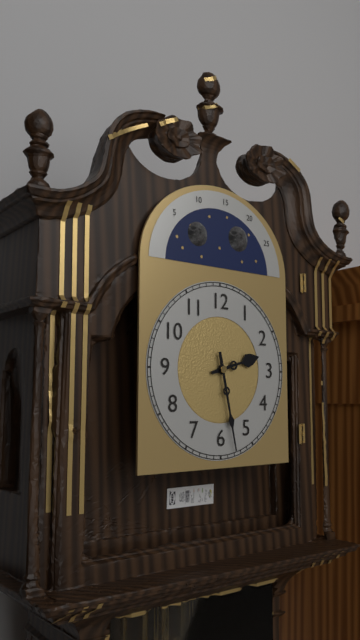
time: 2:28
